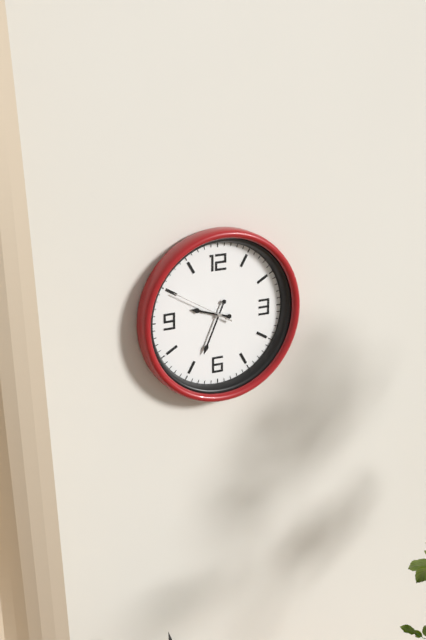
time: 9:34:50
